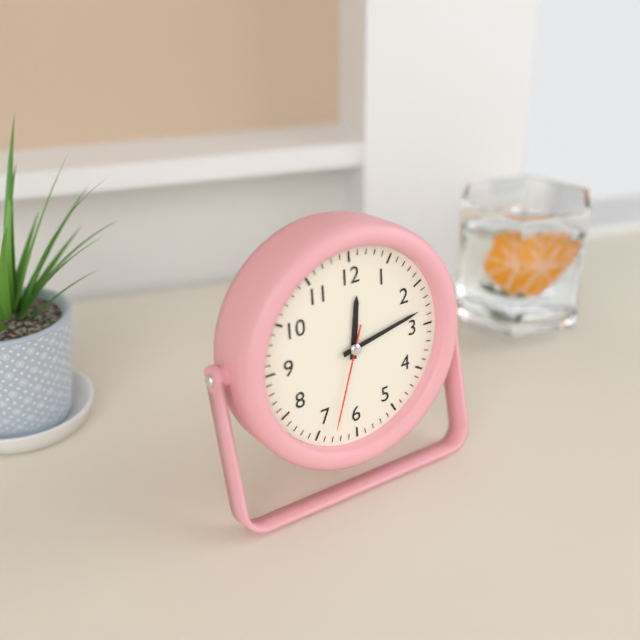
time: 12:13:33
